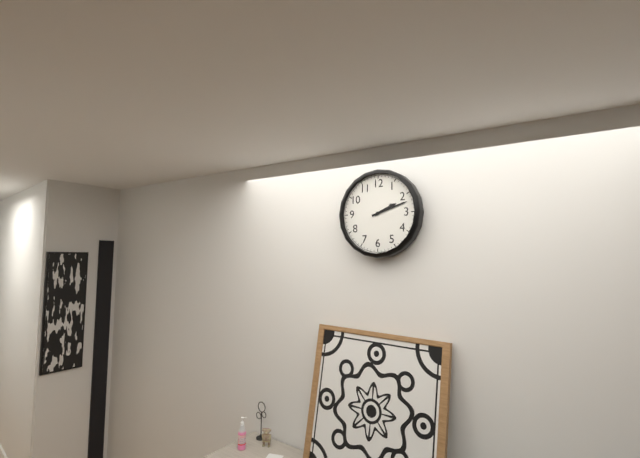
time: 2:12
